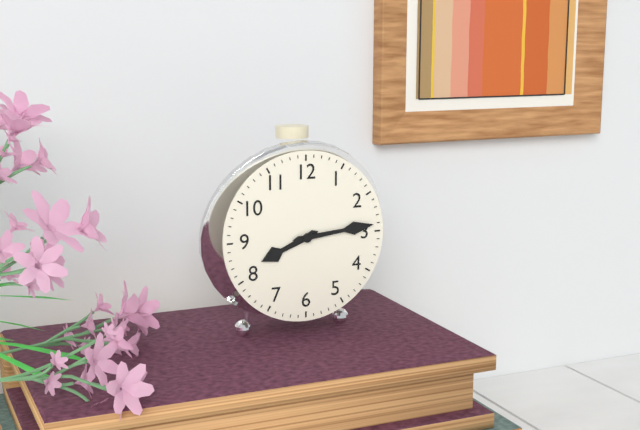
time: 8:14
